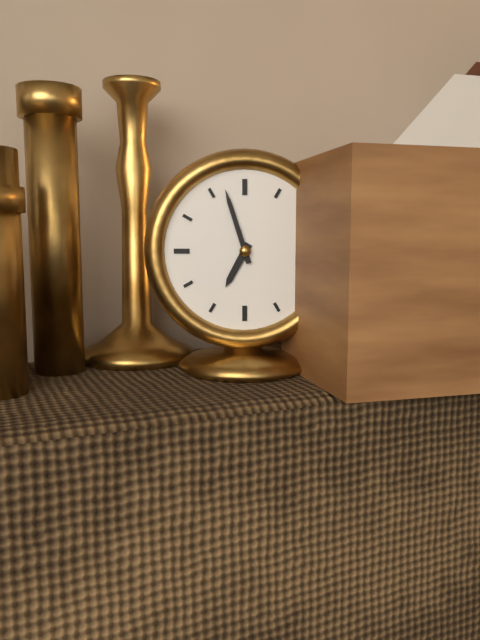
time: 6:57
